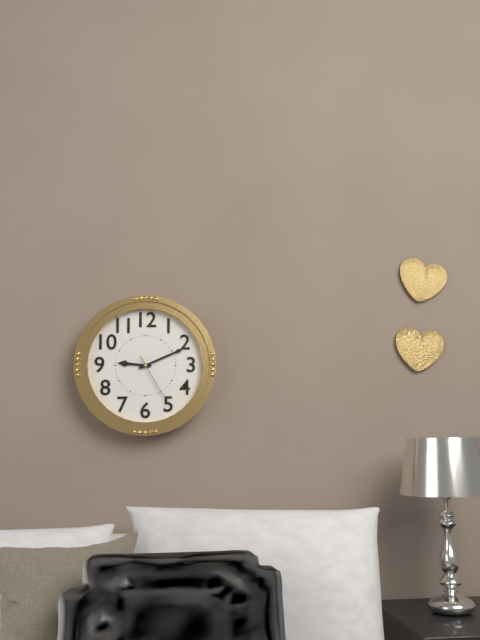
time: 9:11:25
